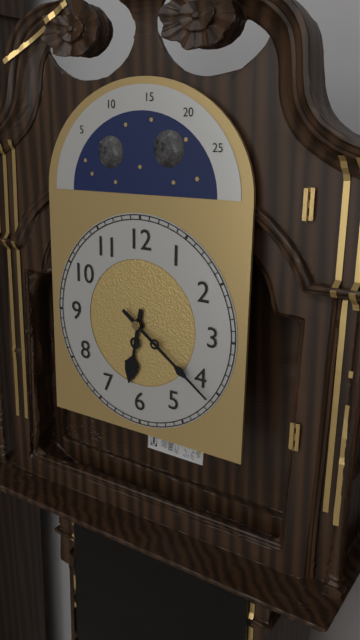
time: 6:21
